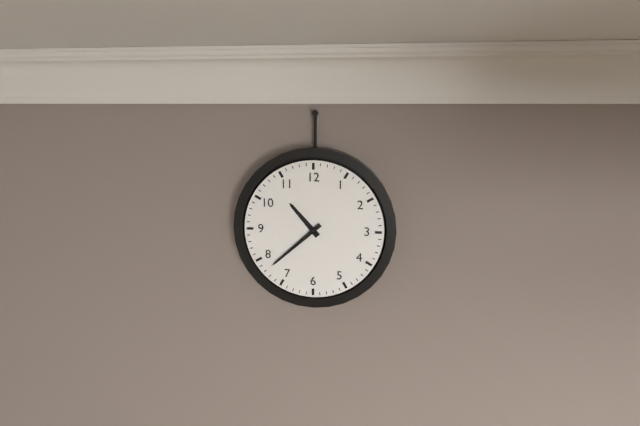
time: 10:38
